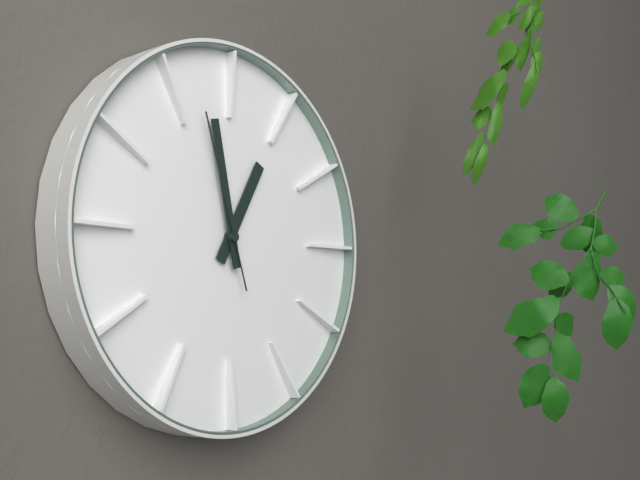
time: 12:58:57
